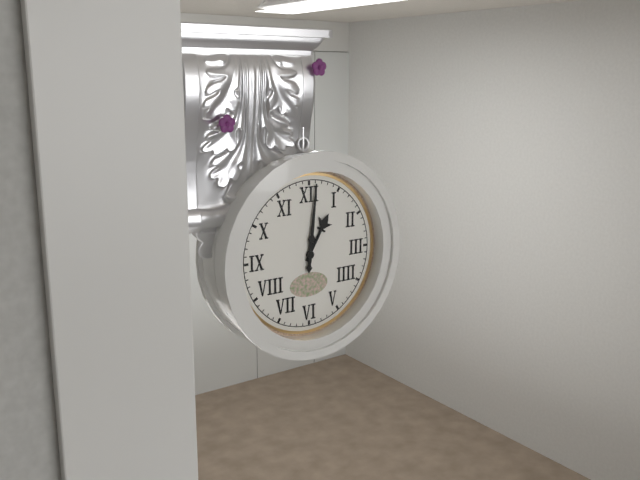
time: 1:01
